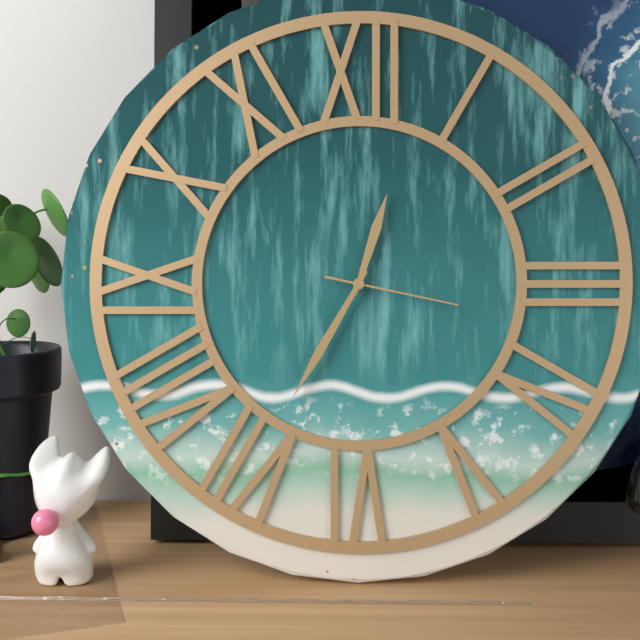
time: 12:35:17
